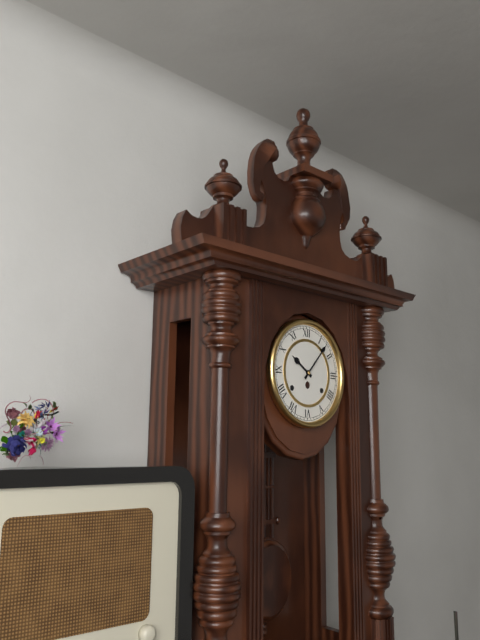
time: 10:07
